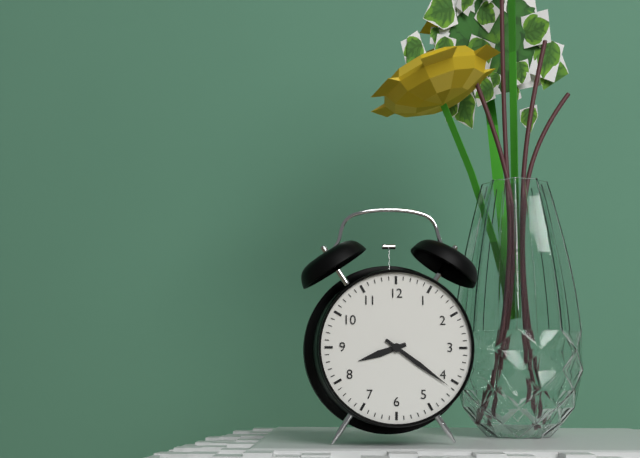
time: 8:21
